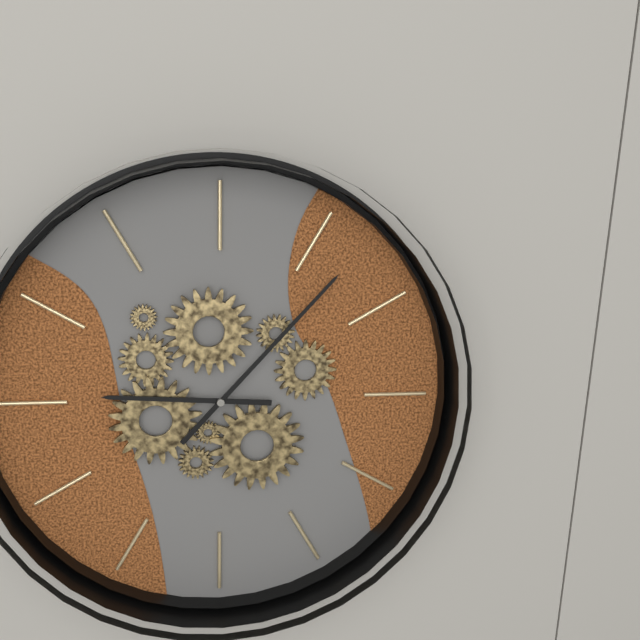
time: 9:07
